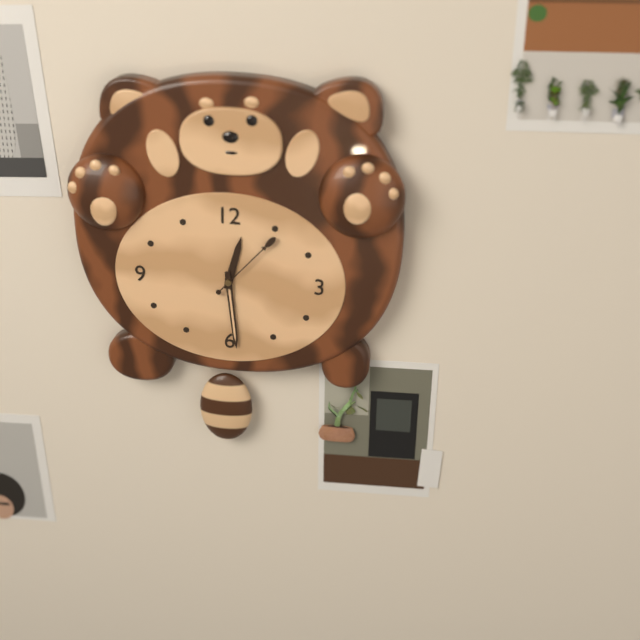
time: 12:29:07
